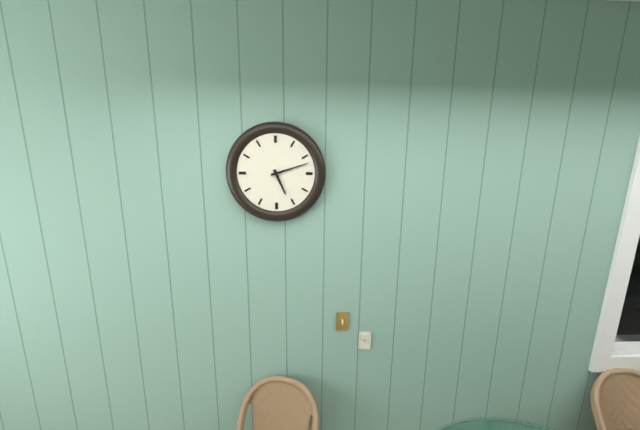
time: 5:12
